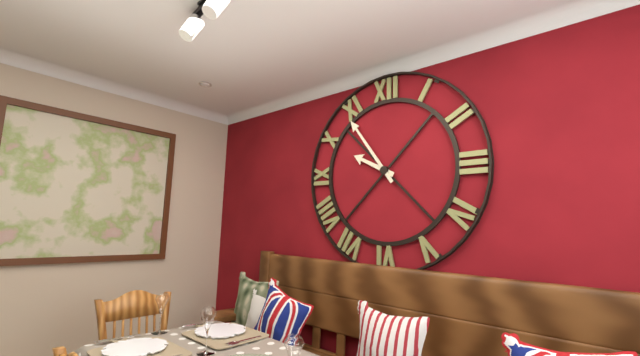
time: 9:54
